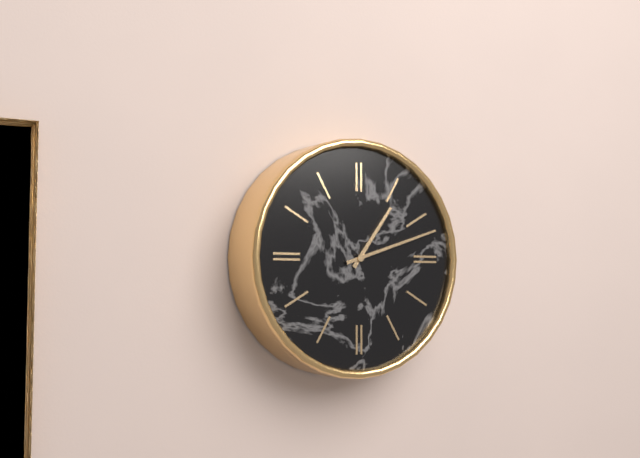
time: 1:12
